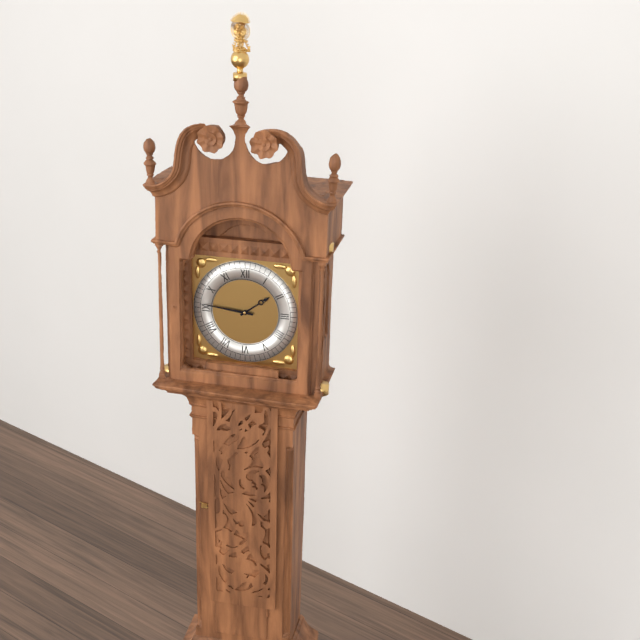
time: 1:46
